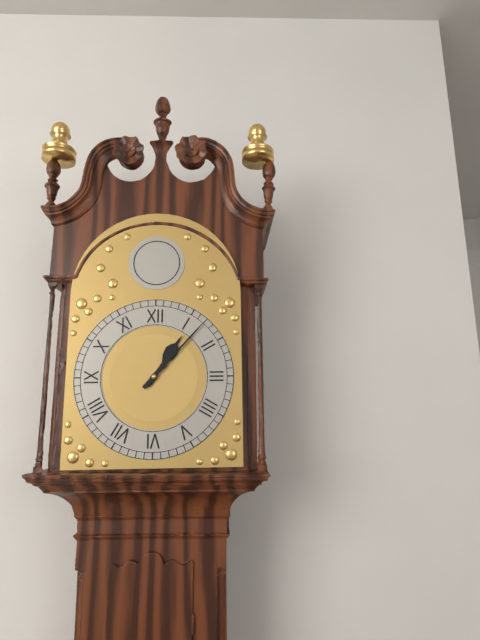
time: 1:07
